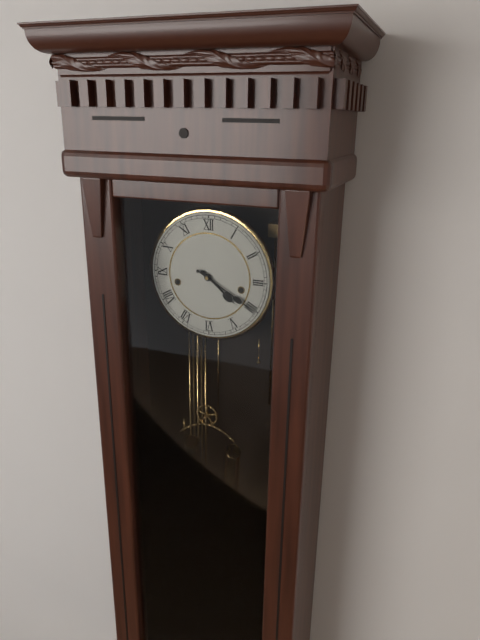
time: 4:20
